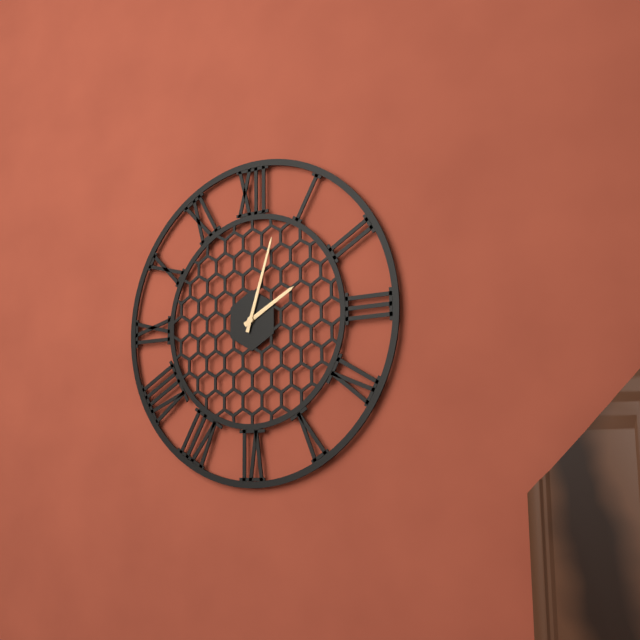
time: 2:03
